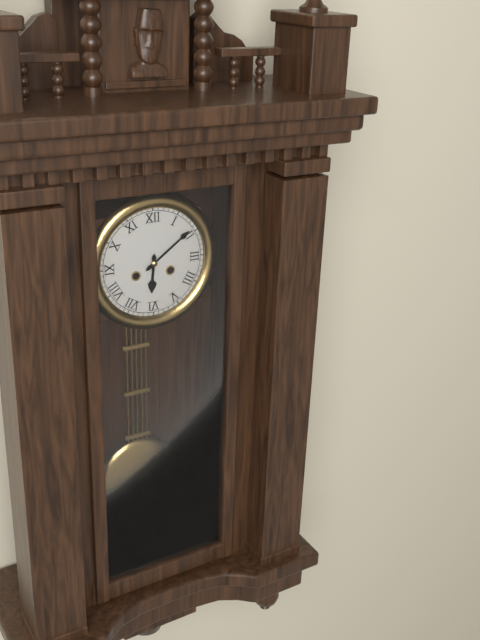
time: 6:09
